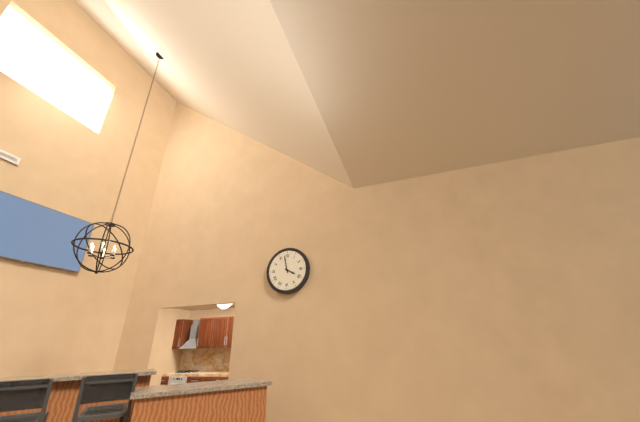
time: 3:58
